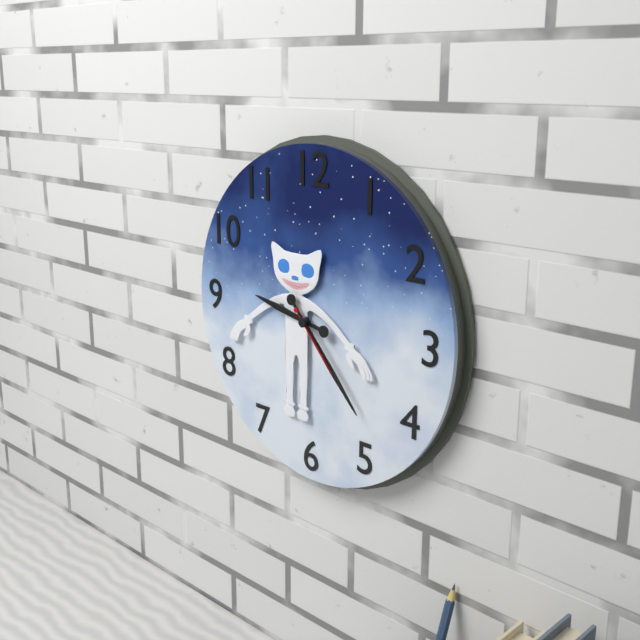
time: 9:23:23
